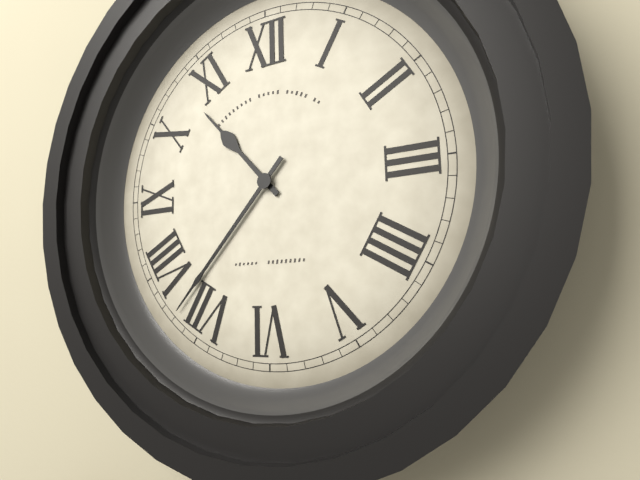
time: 10:37
